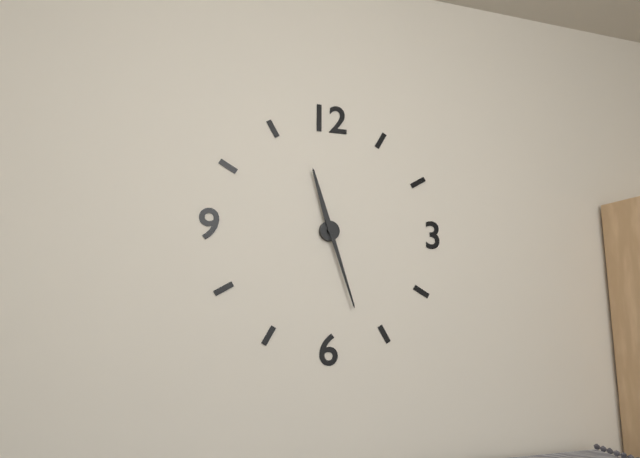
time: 11:27
